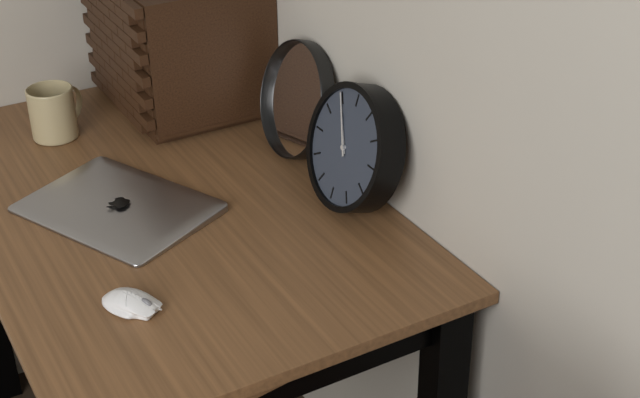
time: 10:55
